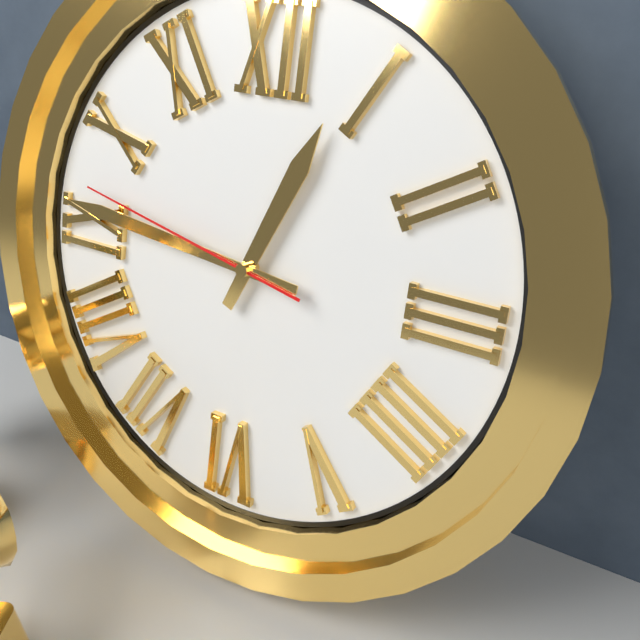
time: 12:46:47
